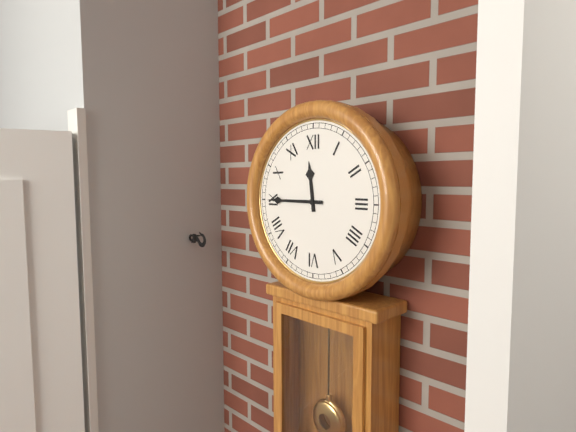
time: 11:45
